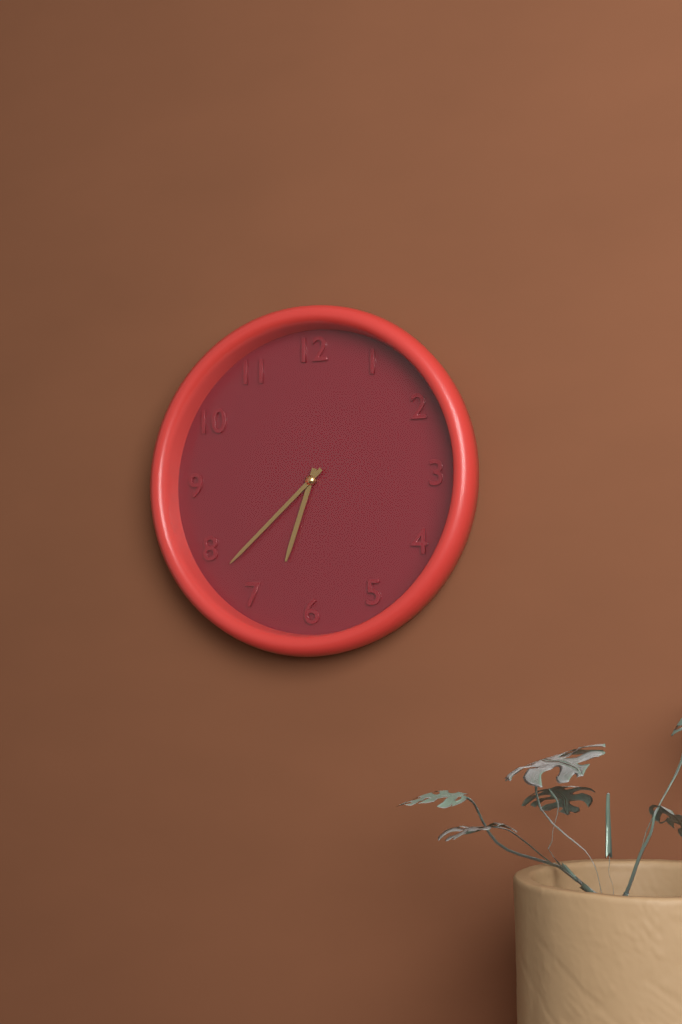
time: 6:38
